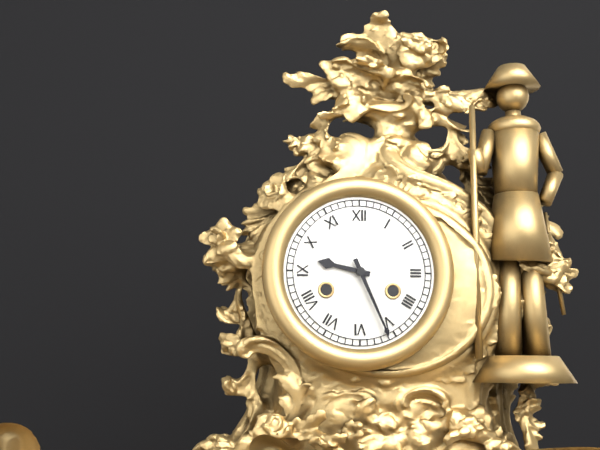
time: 9:26
